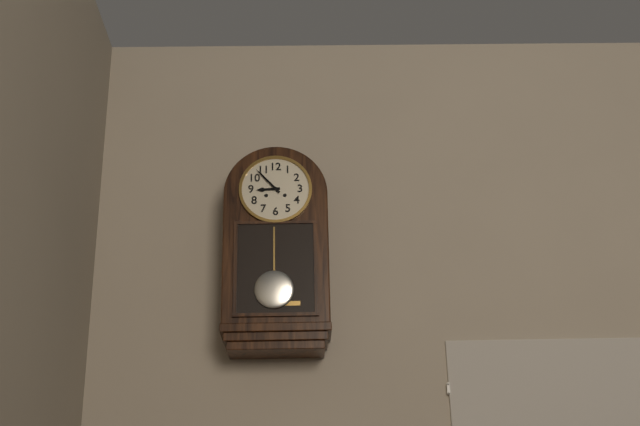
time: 8:53
